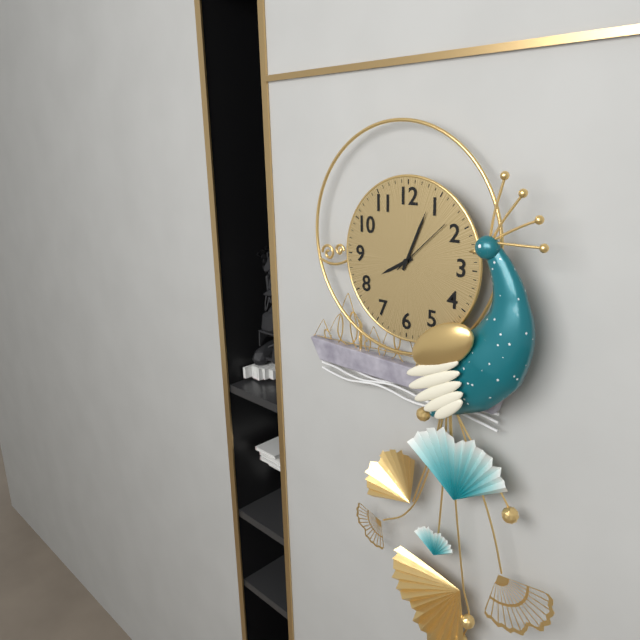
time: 8:04:08
